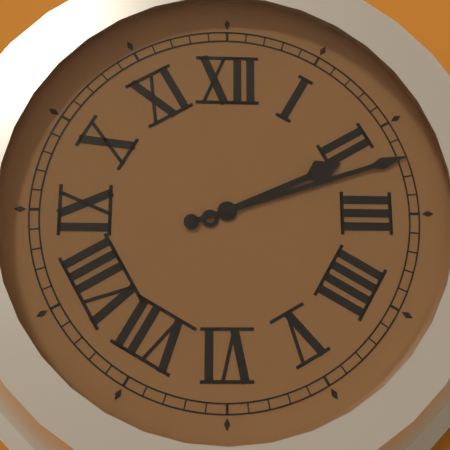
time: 2:12
